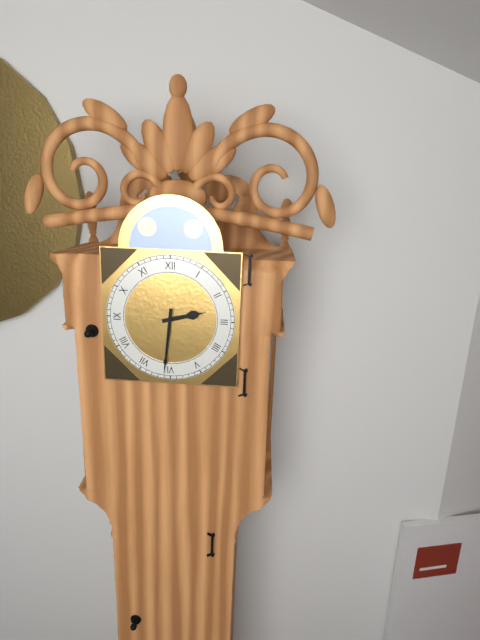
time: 2:31
